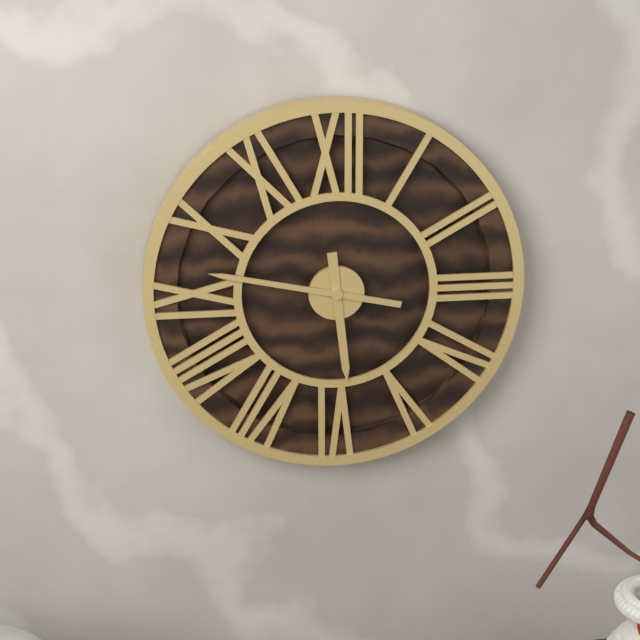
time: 5:47
